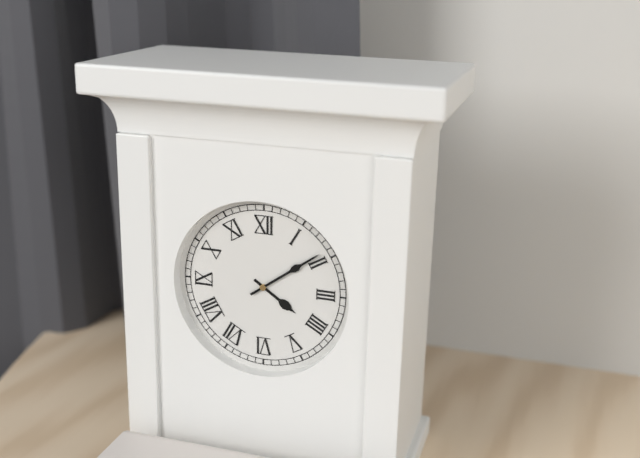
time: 4:09
